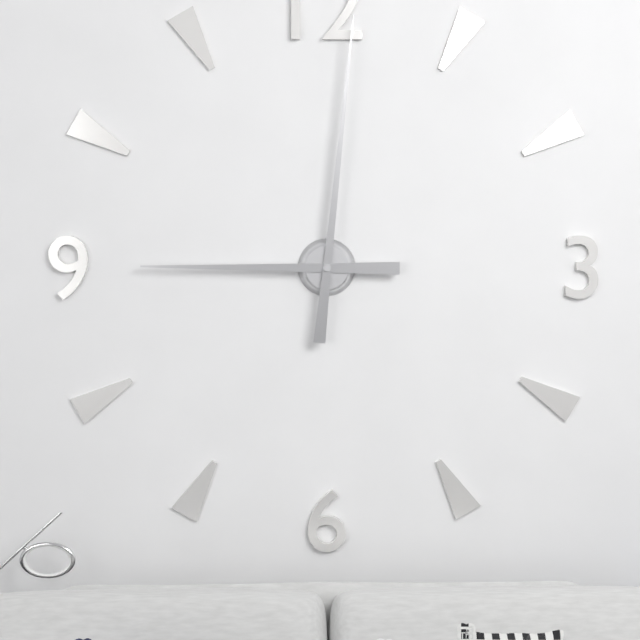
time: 9:01
